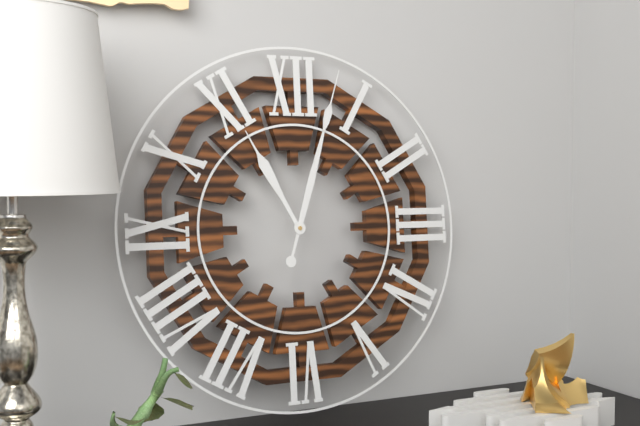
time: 11:03
